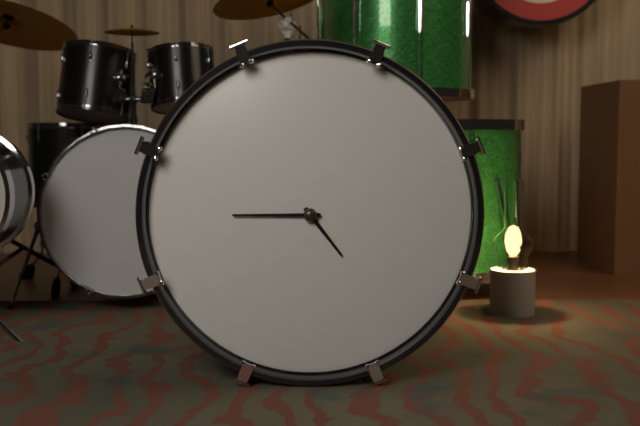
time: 4:45
